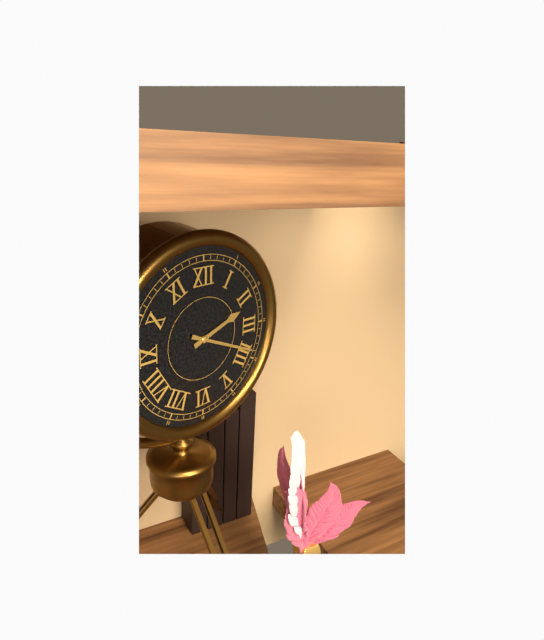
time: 2:19
